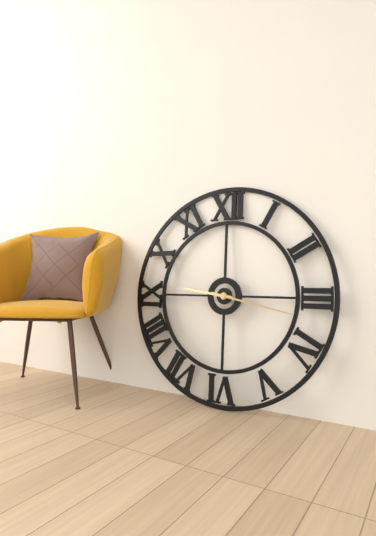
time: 9:17
